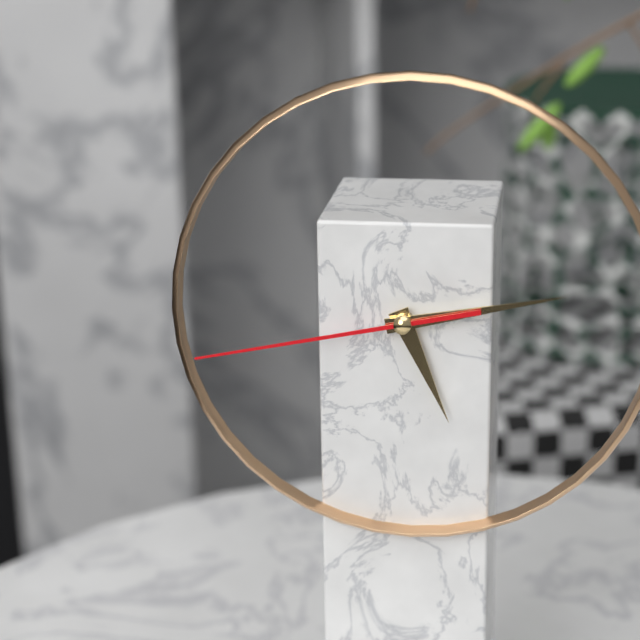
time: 5:13:43
